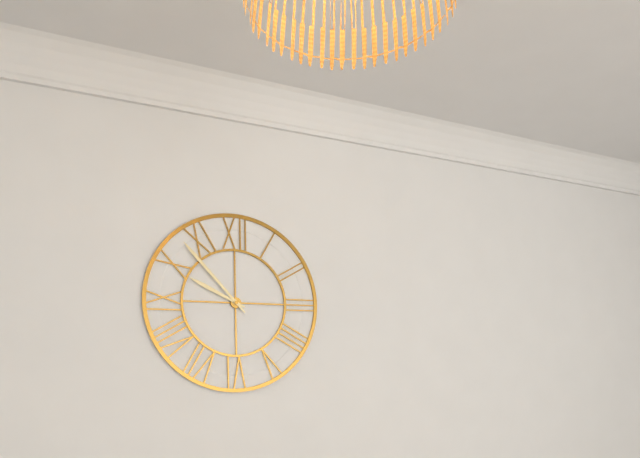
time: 9:53
